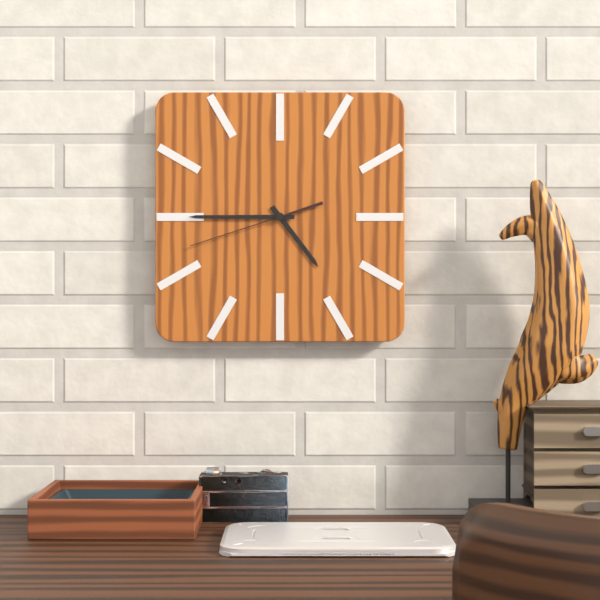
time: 4:45:42
